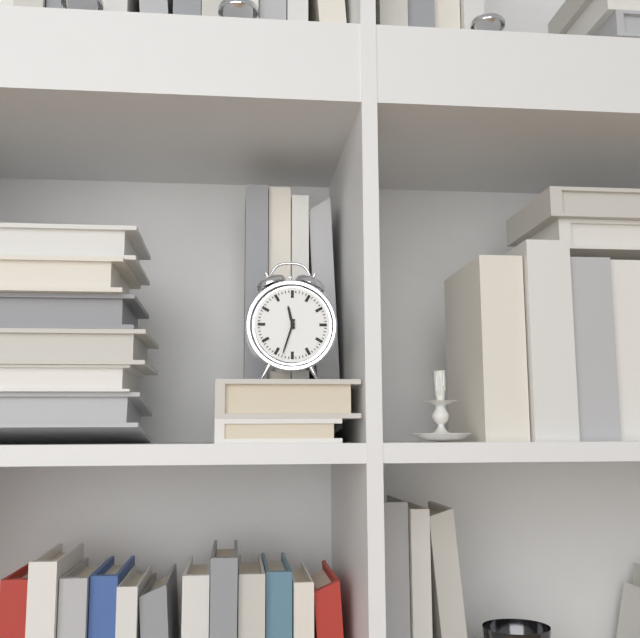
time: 11:33
